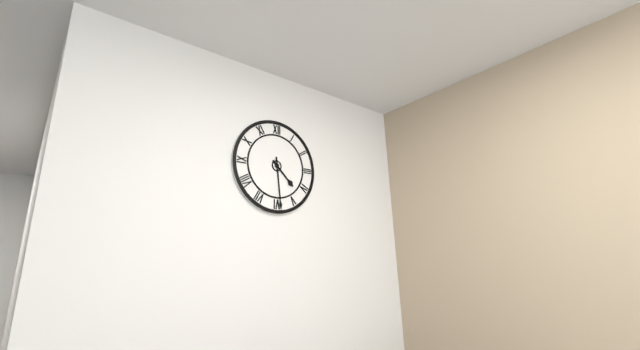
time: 4:29
